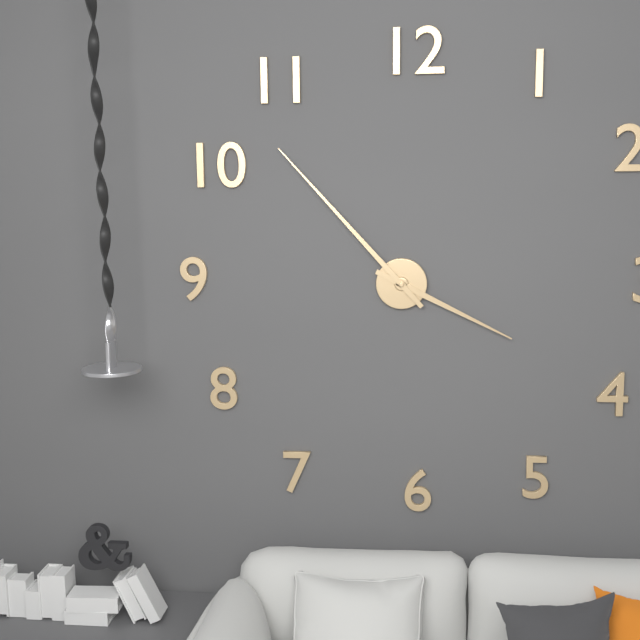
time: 3:53
